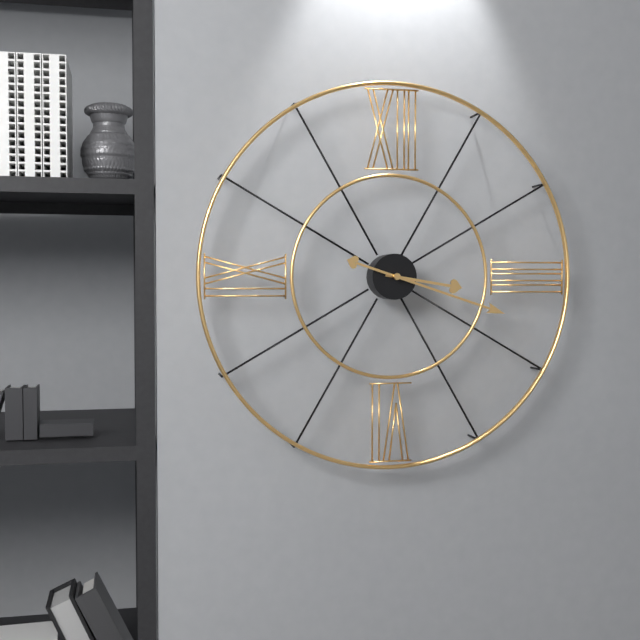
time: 3:18
